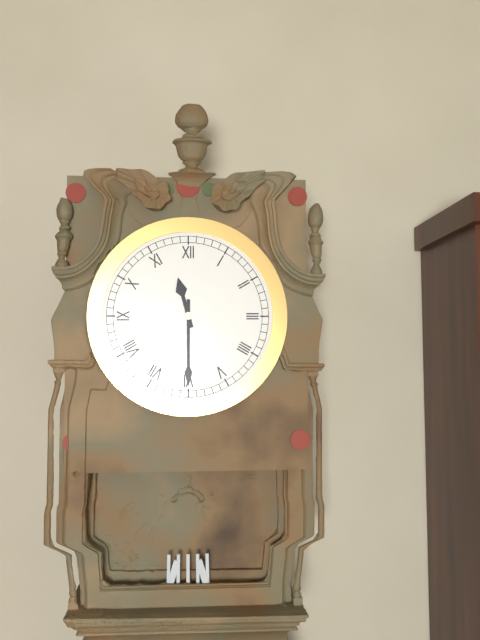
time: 11:30
